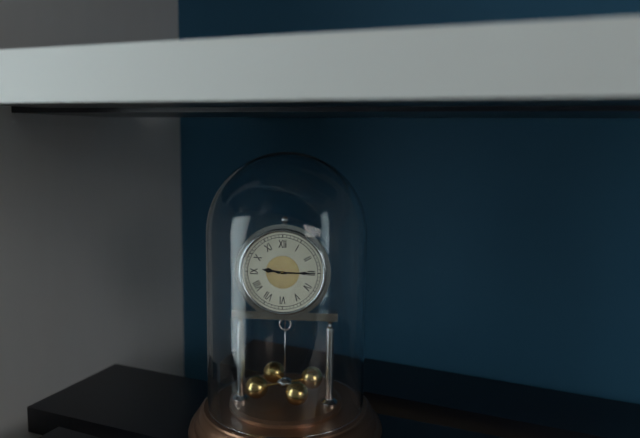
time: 9:15
